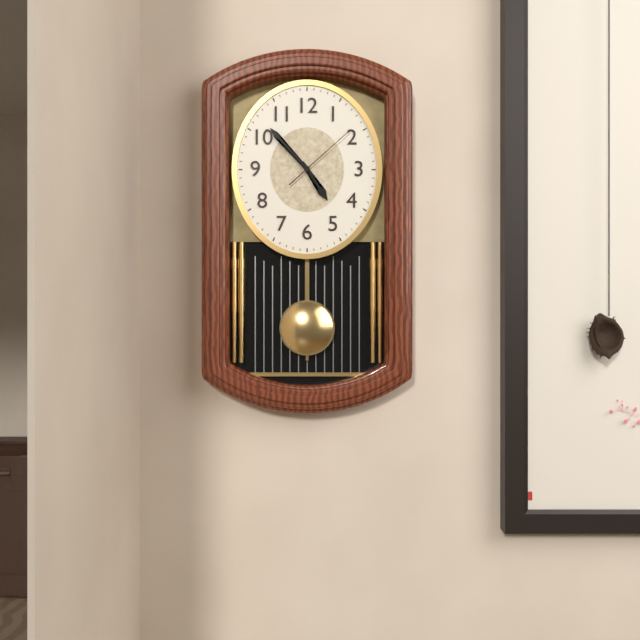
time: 4:53:08
